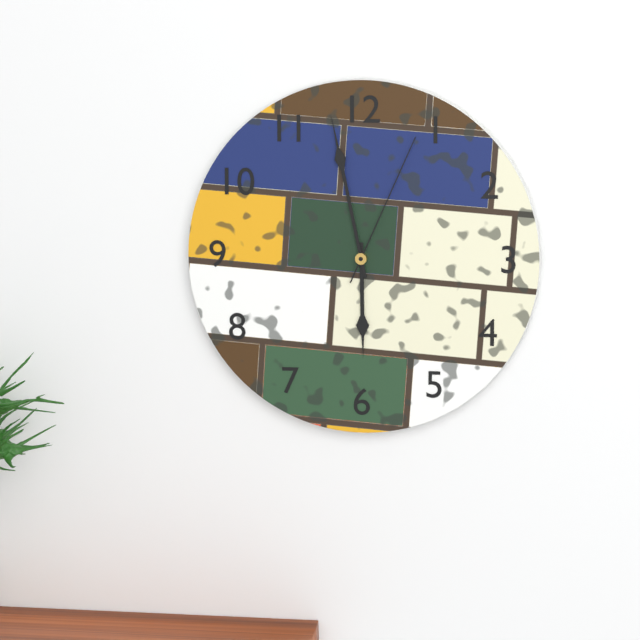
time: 5:58:04
